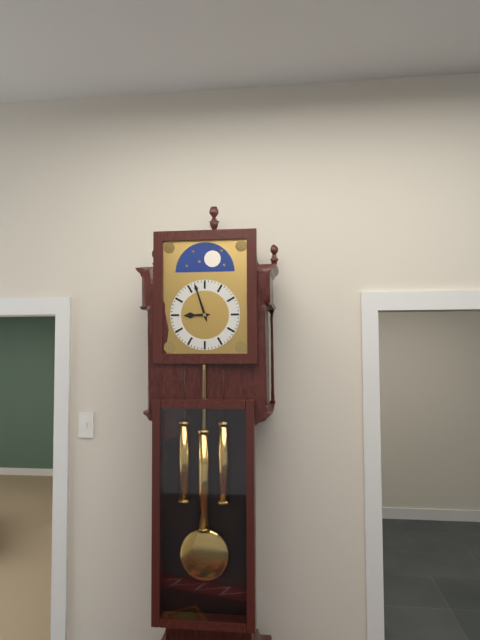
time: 8:57
